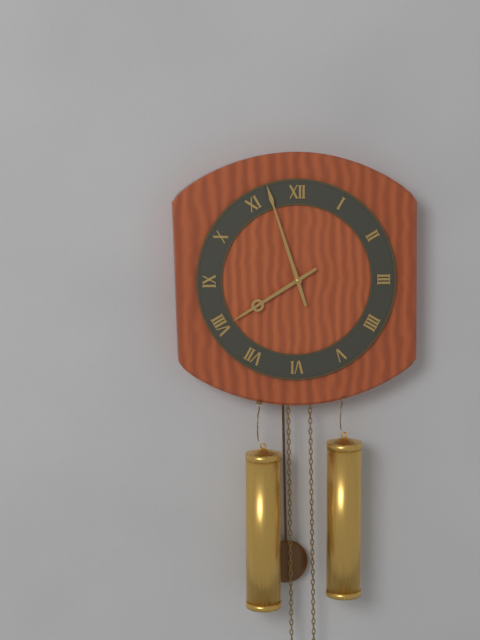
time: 7:57
